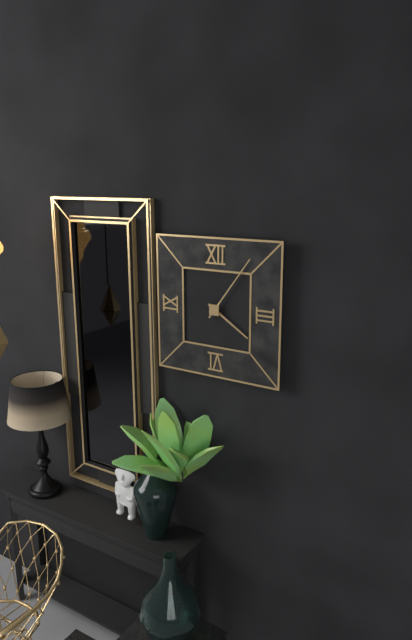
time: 4:06
